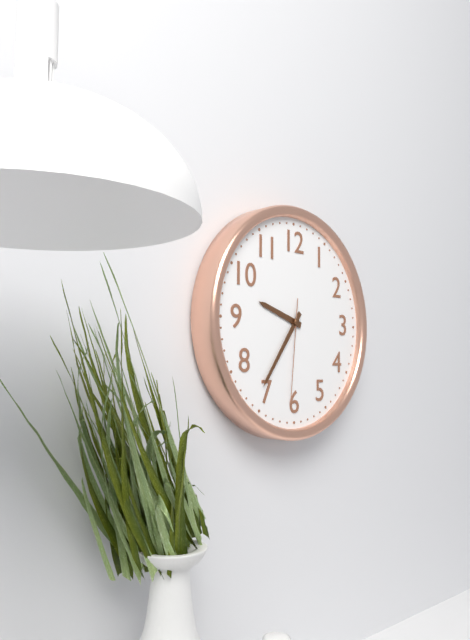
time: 9:36:31
